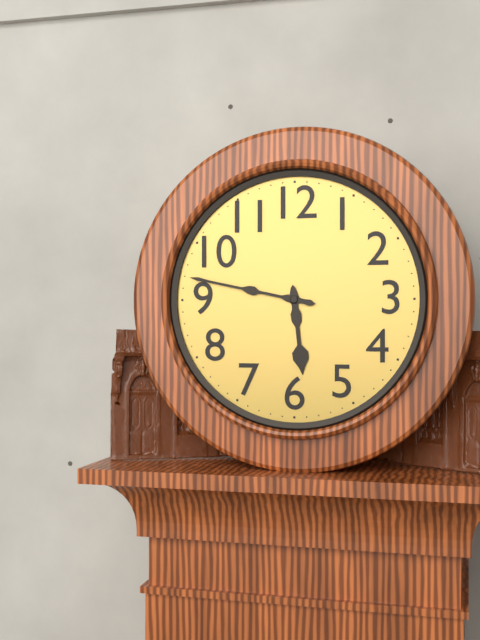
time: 5:47
